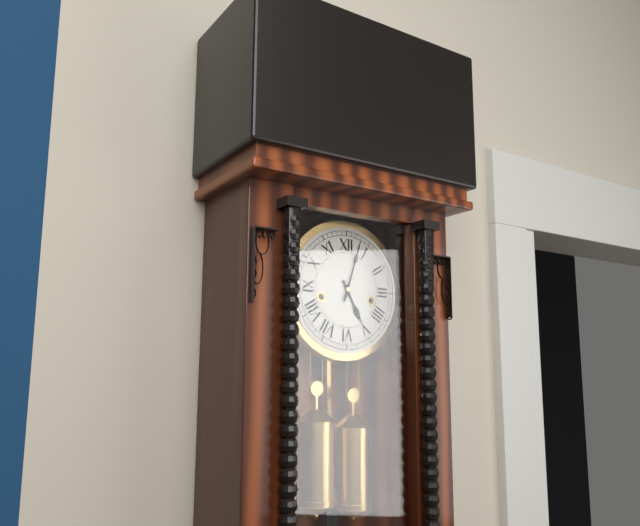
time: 5:03
